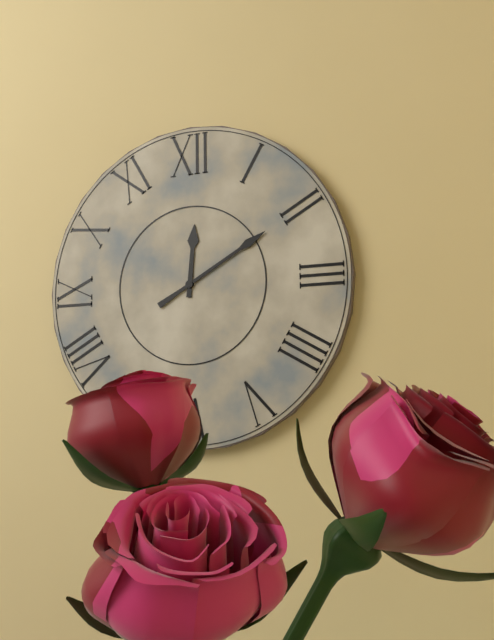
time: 12:10
